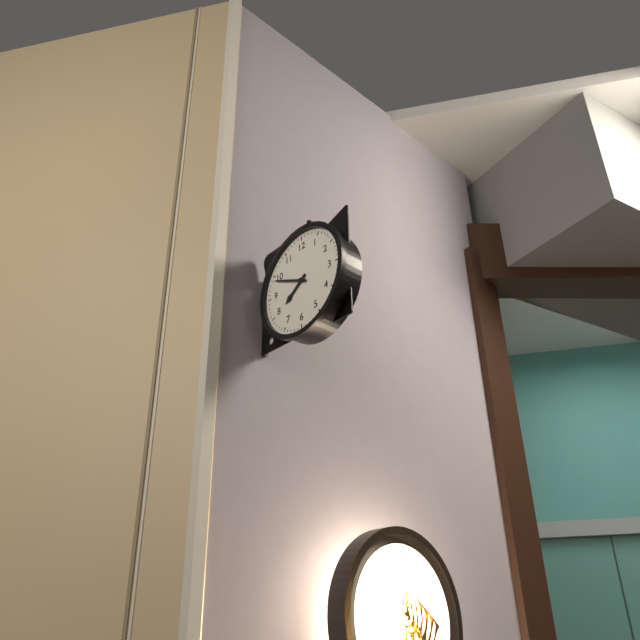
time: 7:49
